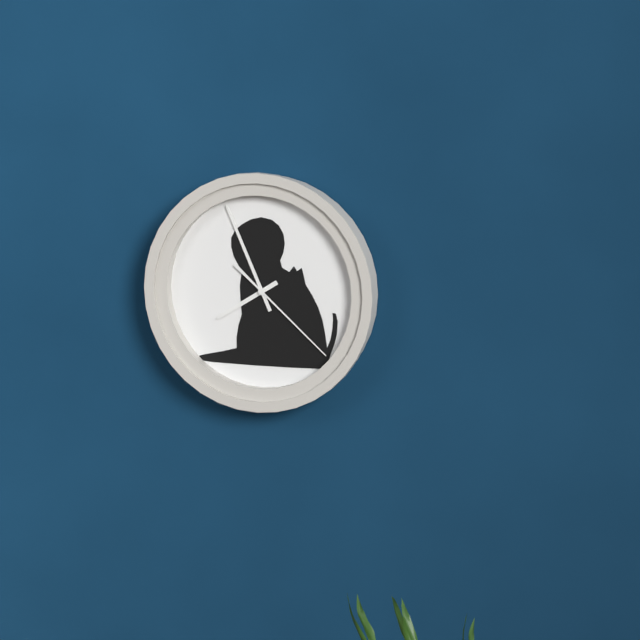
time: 7:56:22
